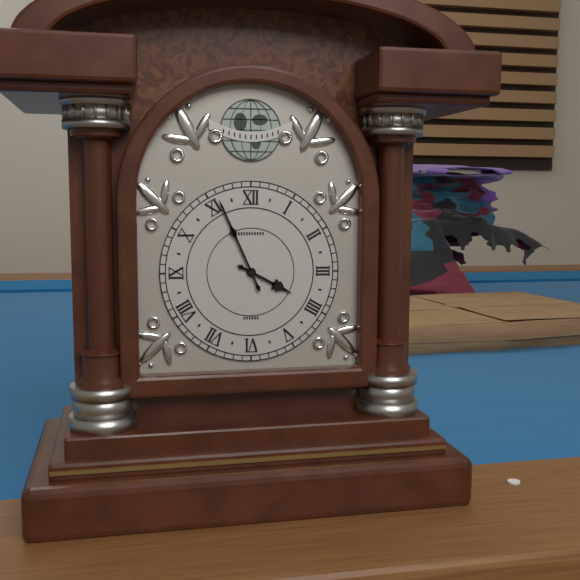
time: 3:56
